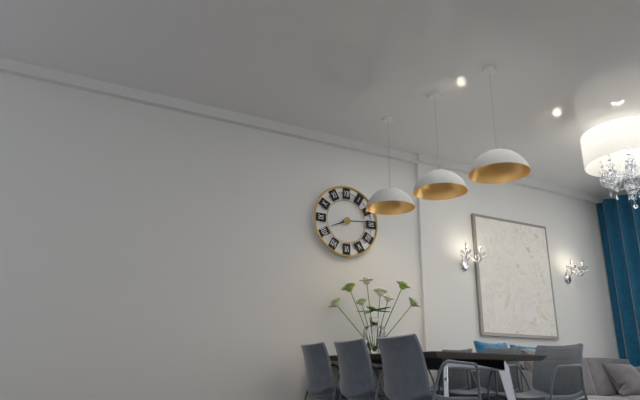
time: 8:14
